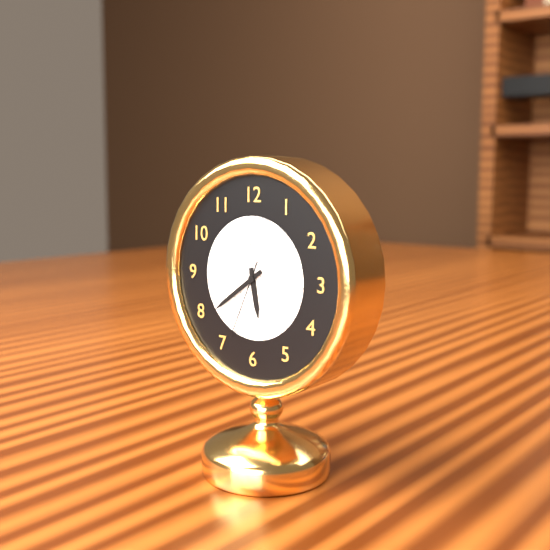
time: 5:39:34
